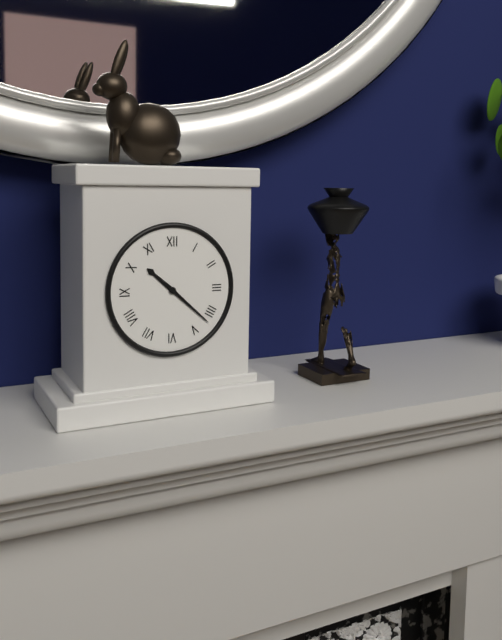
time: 10:22
